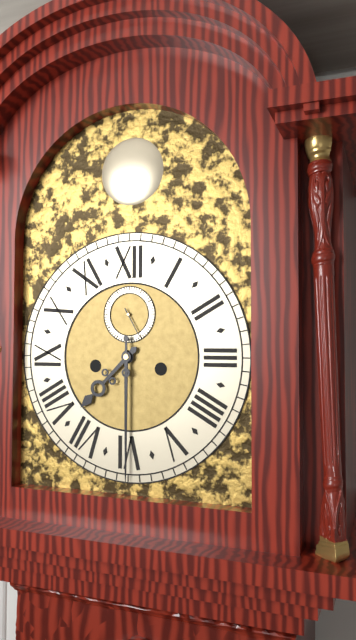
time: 7:30
